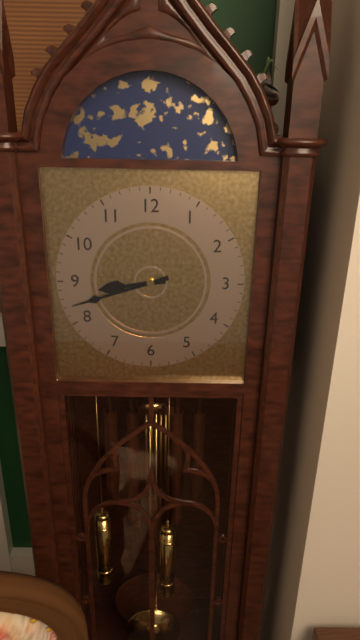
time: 8:42
